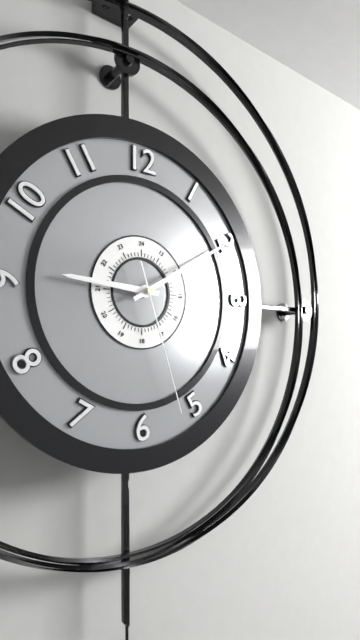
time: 9:10:27
